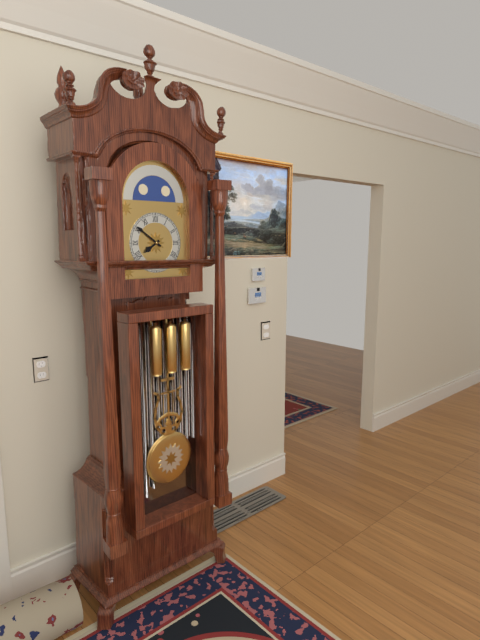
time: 7:51
